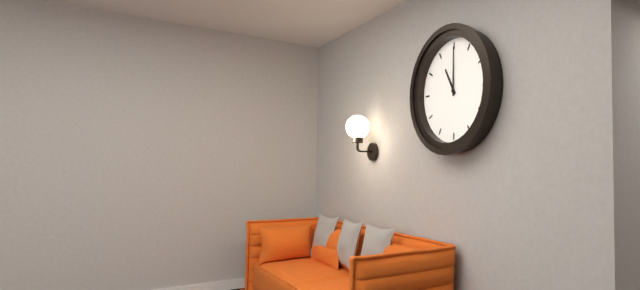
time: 11:00
